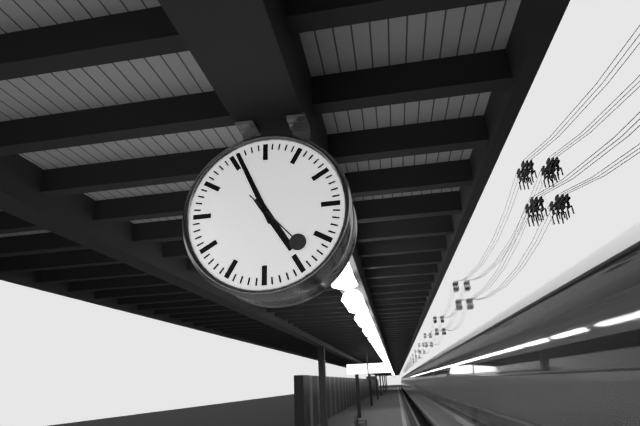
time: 4:56:23
